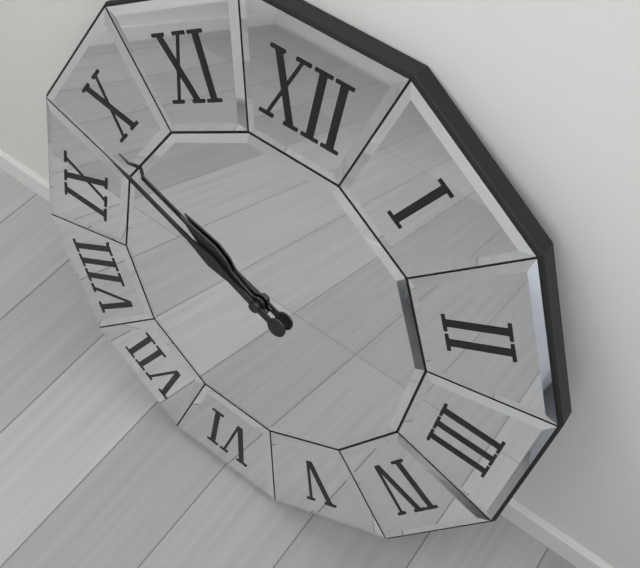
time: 9:48
